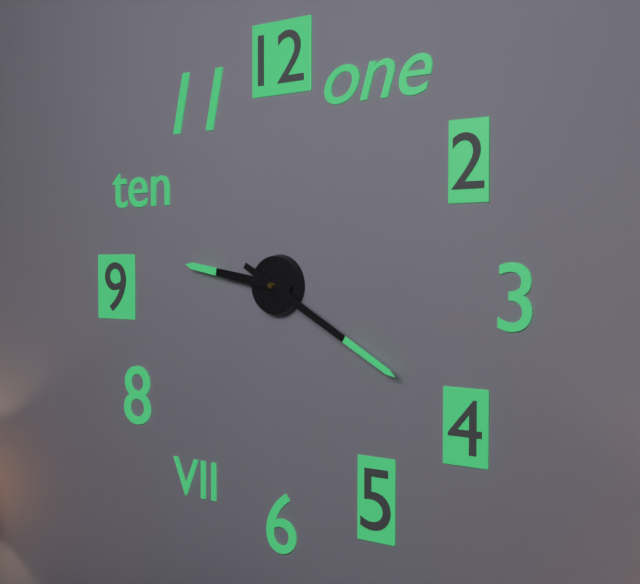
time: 9:20
